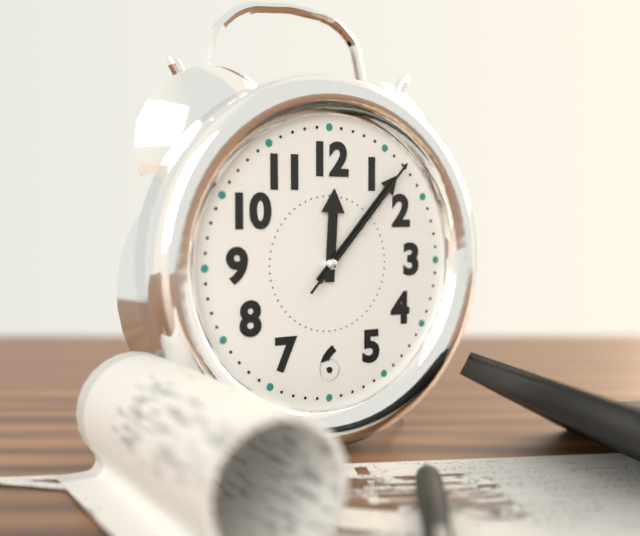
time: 12:07:07
